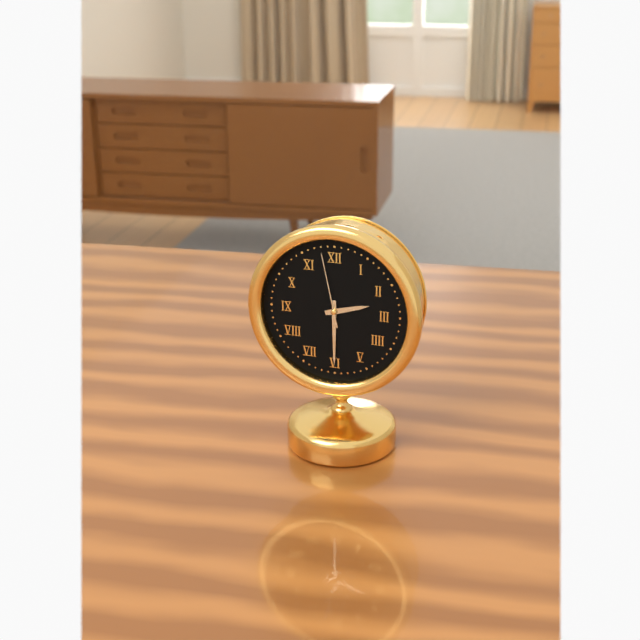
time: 2:30:58
